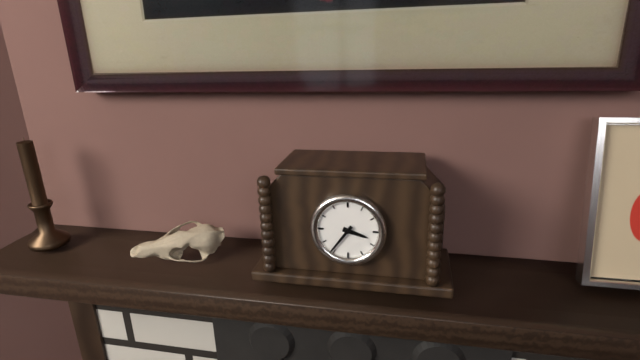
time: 3:36
